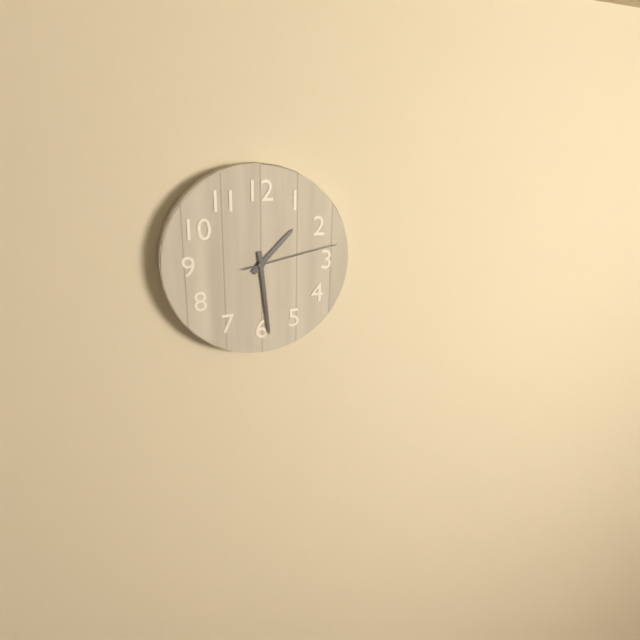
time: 1:29:13
